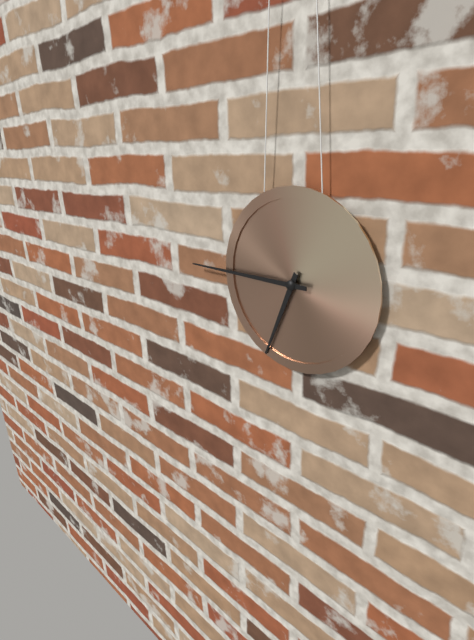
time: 6:45
